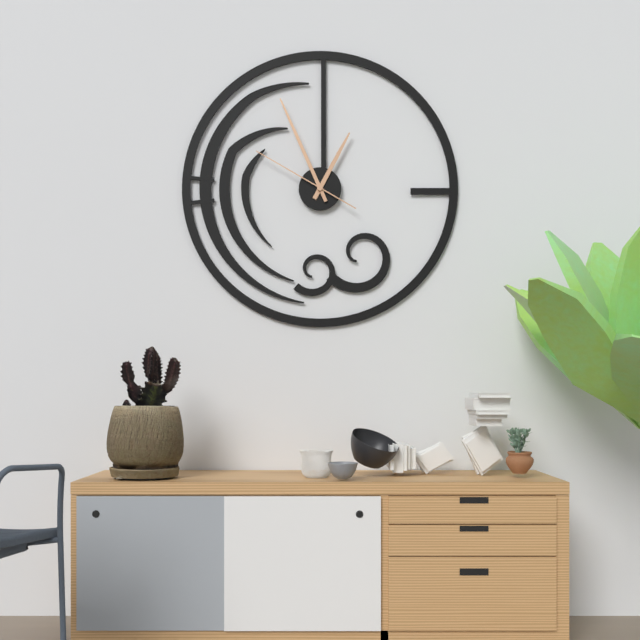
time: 12:56:50
